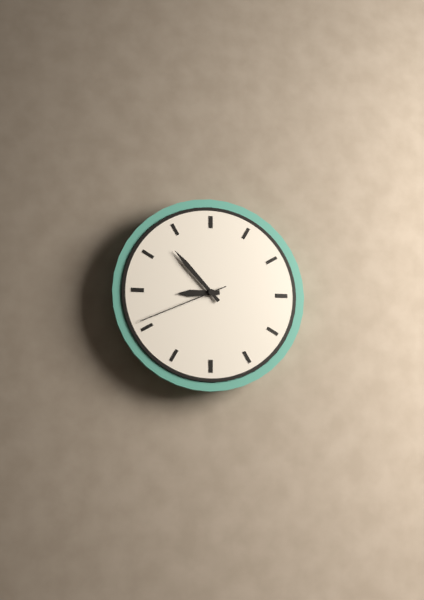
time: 8:53:41
